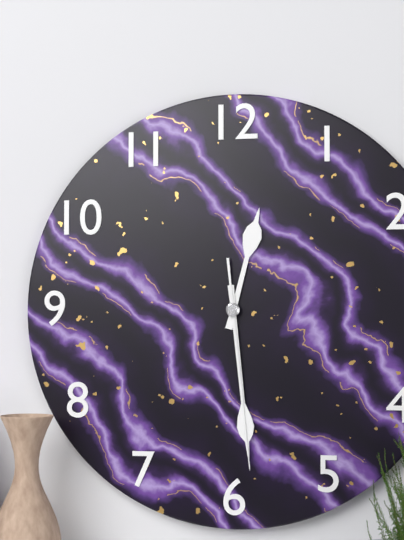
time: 12:29:29
